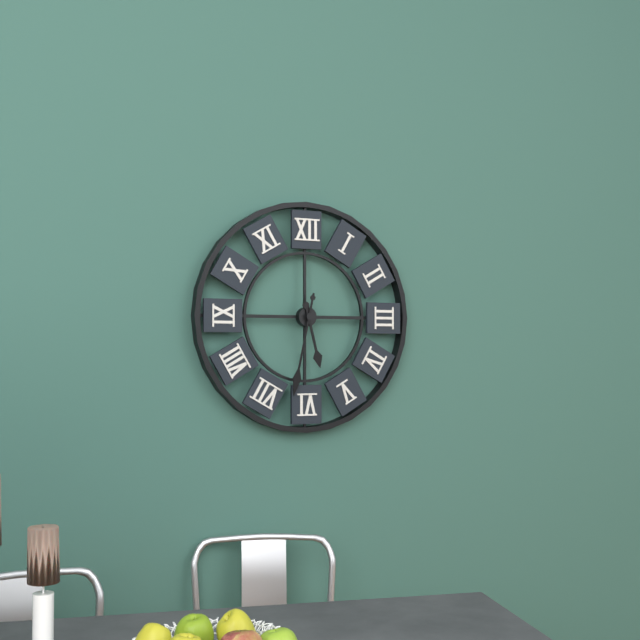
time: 5:32
